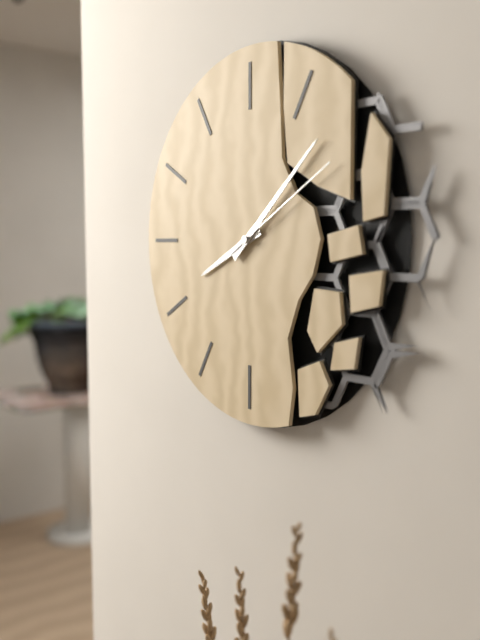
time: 8:08:10
